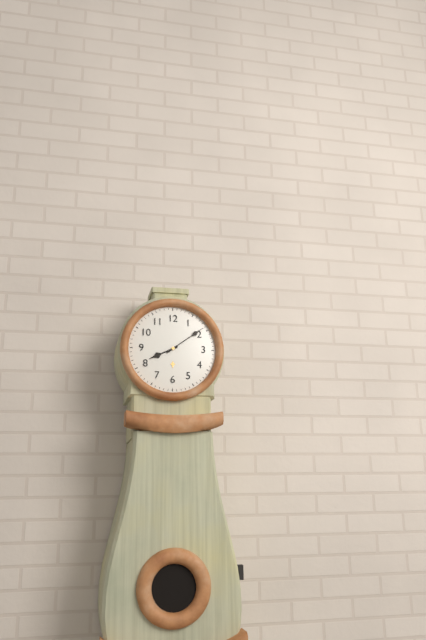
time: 8:09
